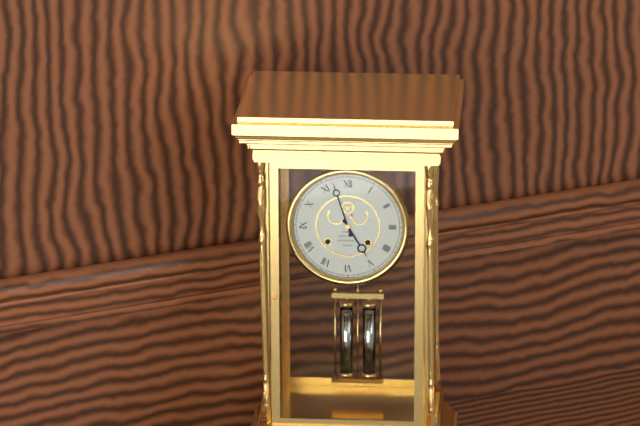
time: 4:57
